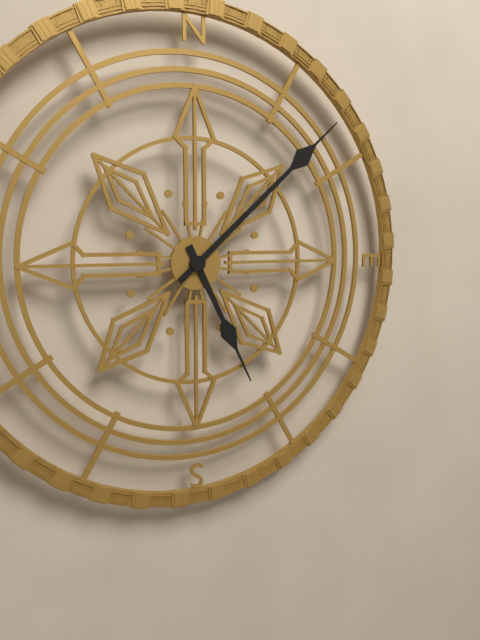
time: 5:08
